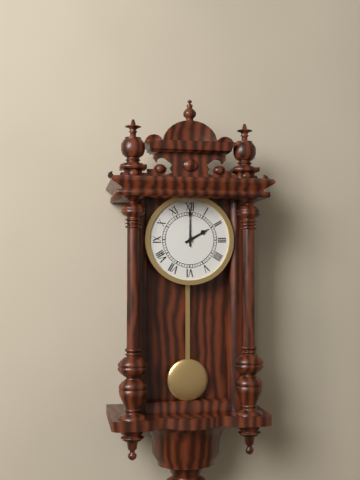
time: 2:00
